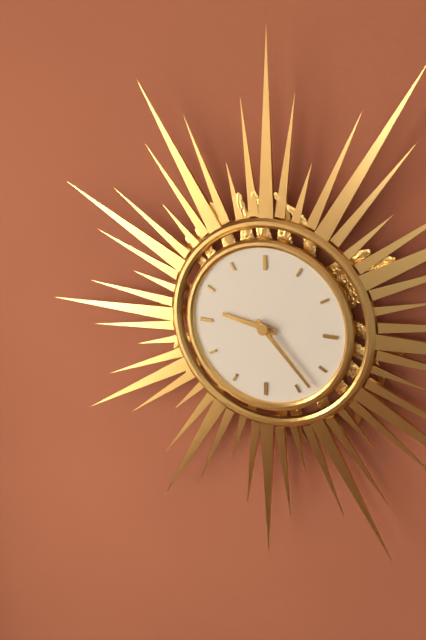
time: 9:23
